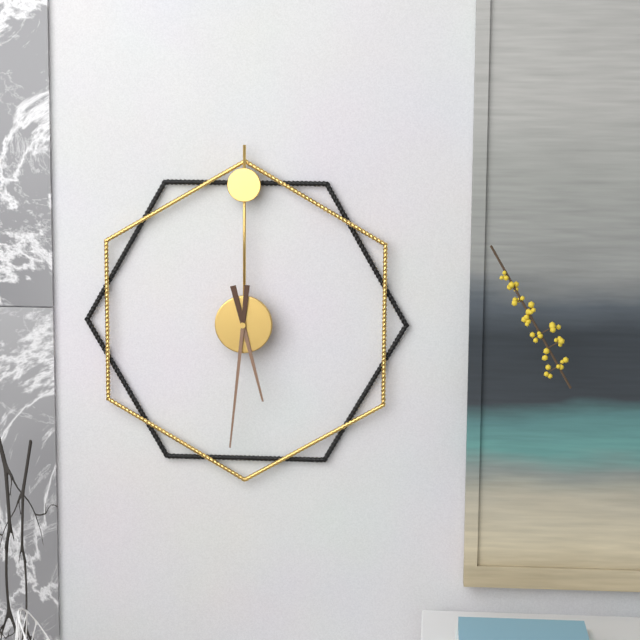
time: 5:31
